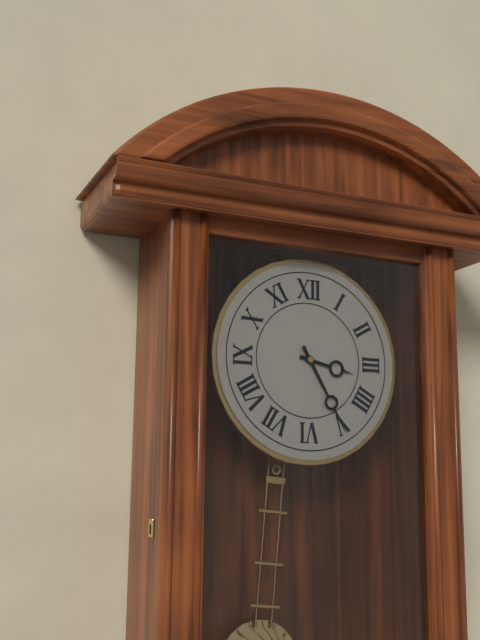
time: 3:25
